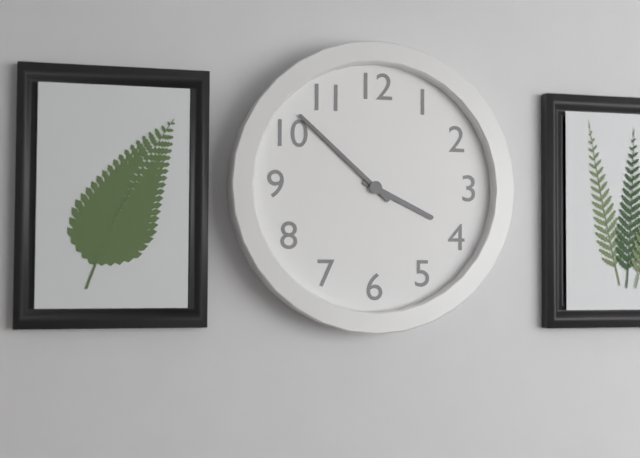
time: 3:52
